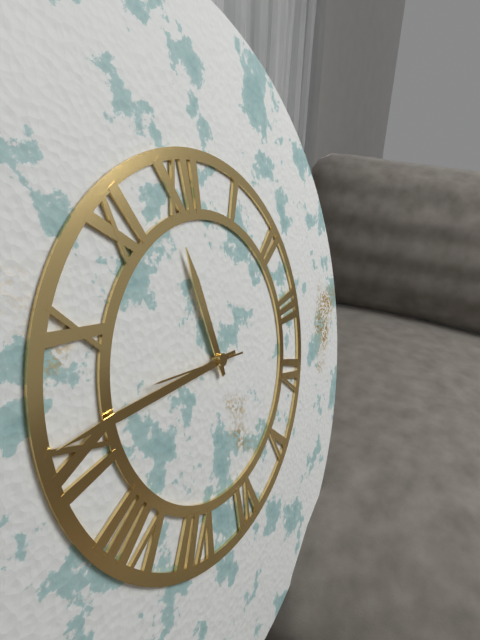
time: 11:46:47
